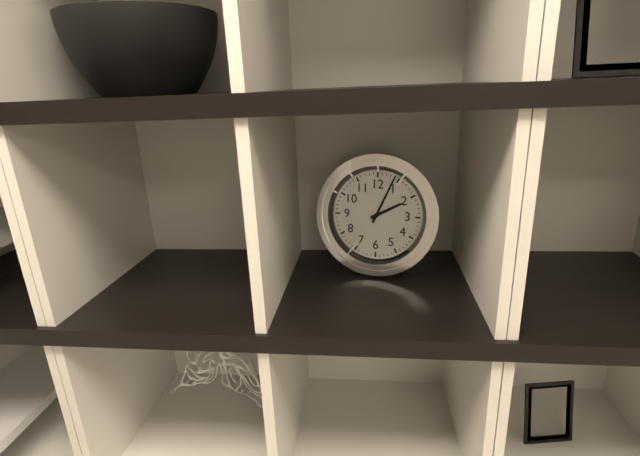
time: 2:04
